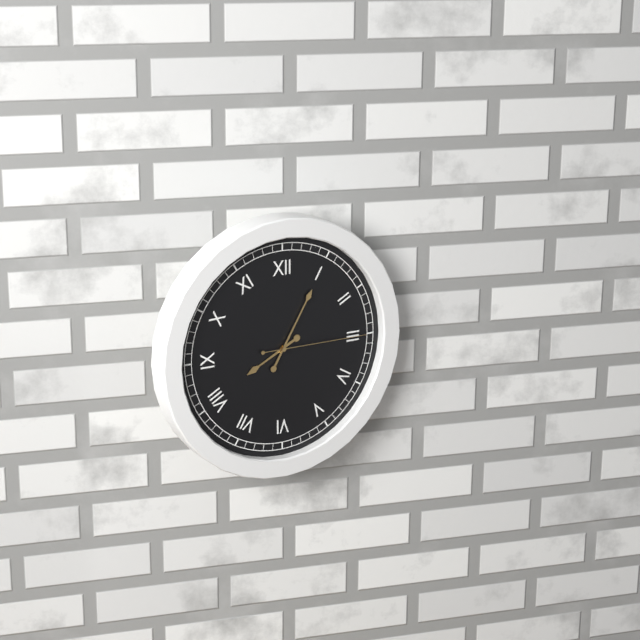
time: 8:05:15
